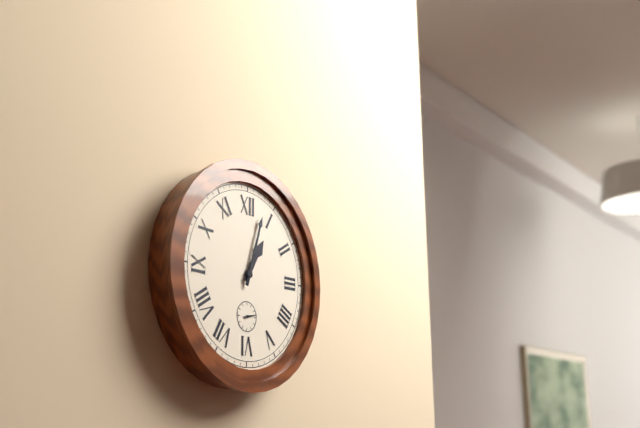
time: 1:03
